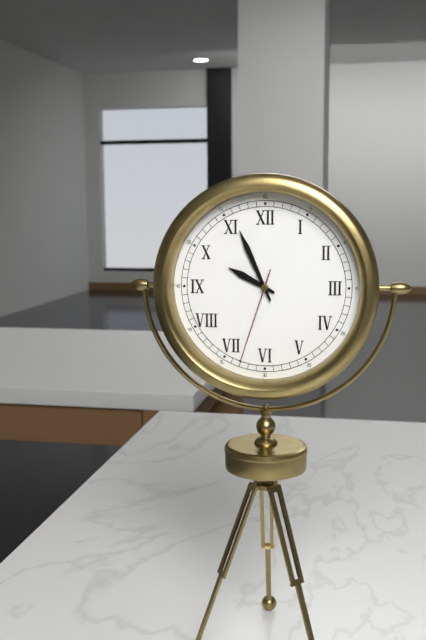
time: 9:56:33
